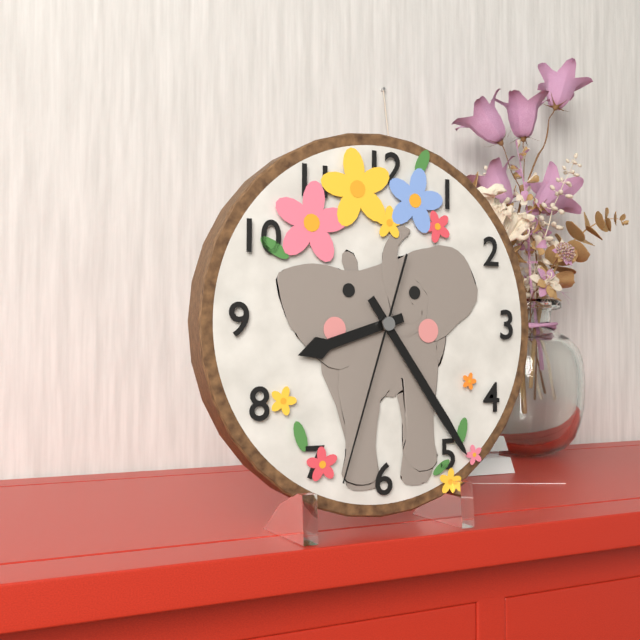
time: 8:24:33
